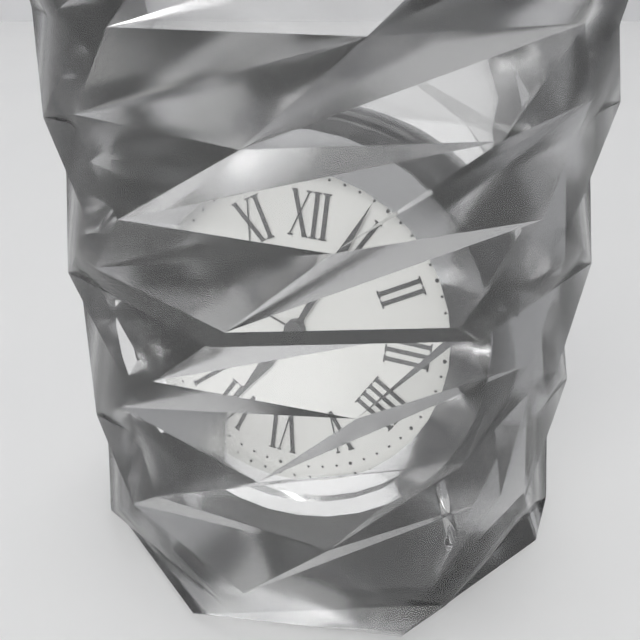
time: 7:04:48
